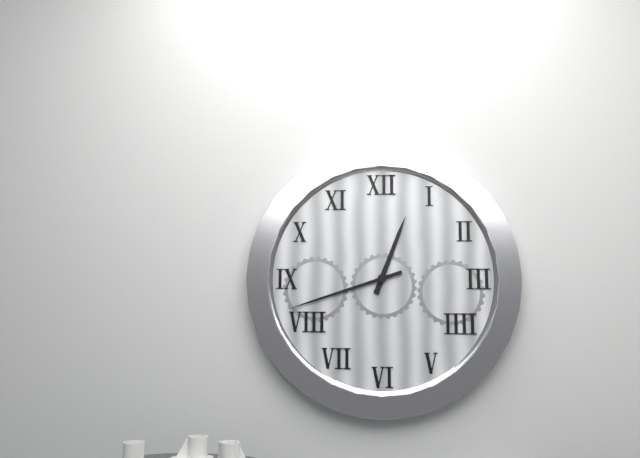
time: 12:42
